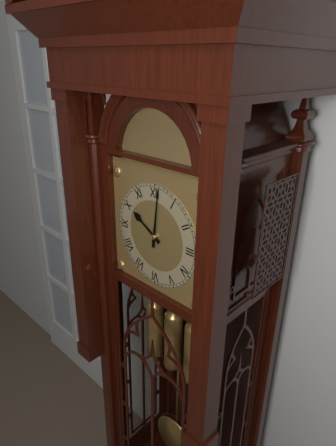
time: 10:01
